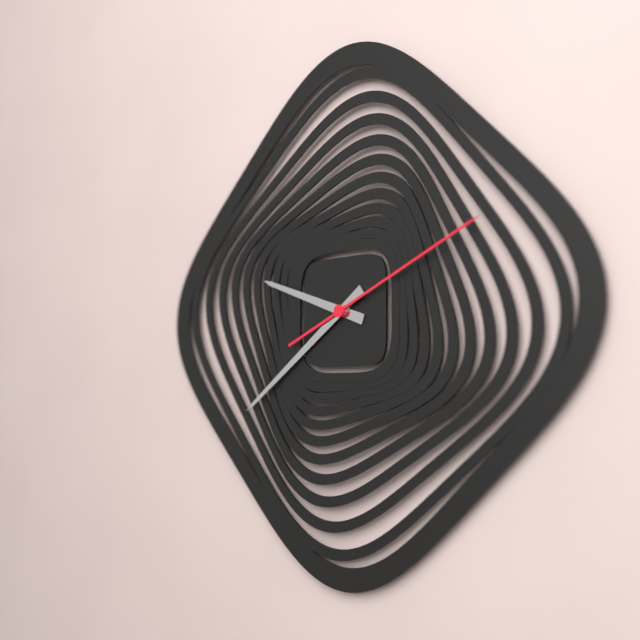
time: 9:39:11
